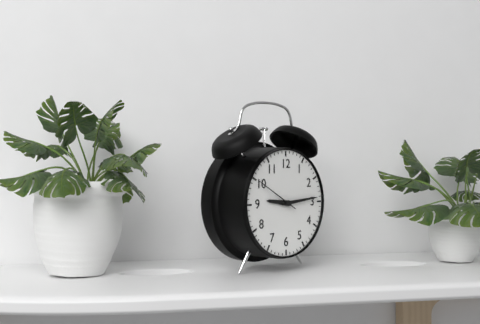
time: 9:14
